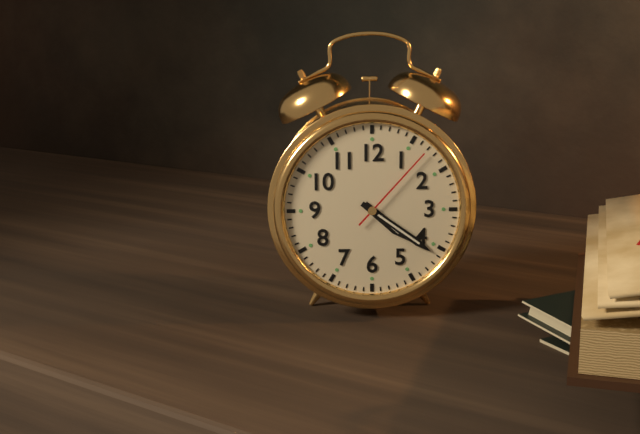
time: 4:21:07
